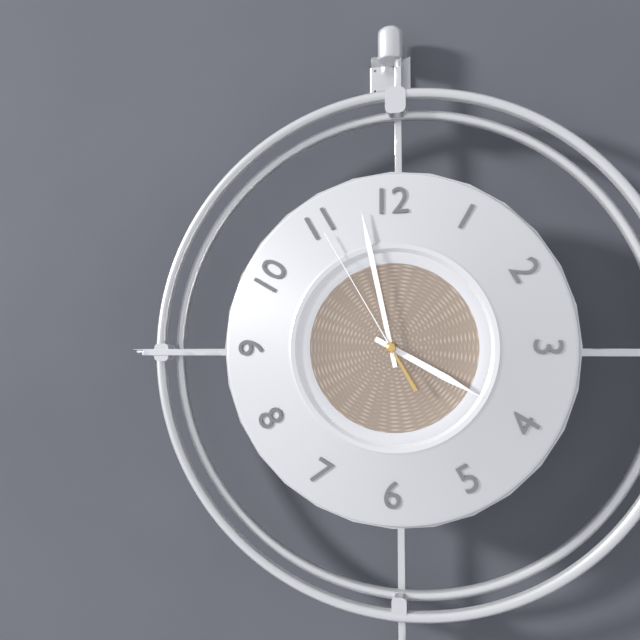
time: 3:58:55
